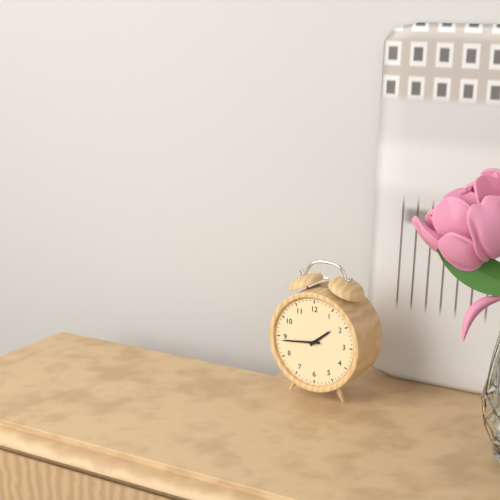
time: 1:44
